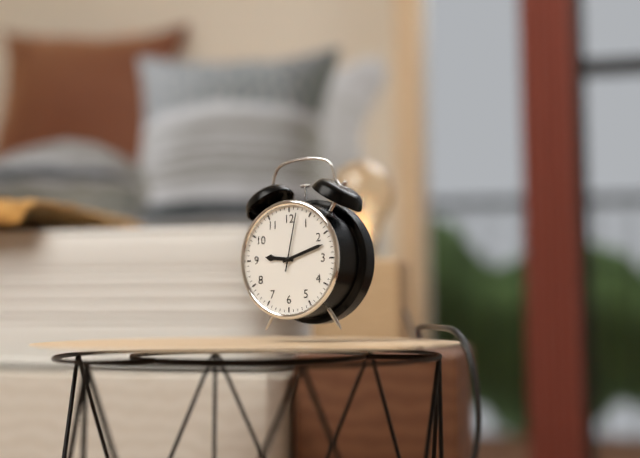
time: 9:12:02
